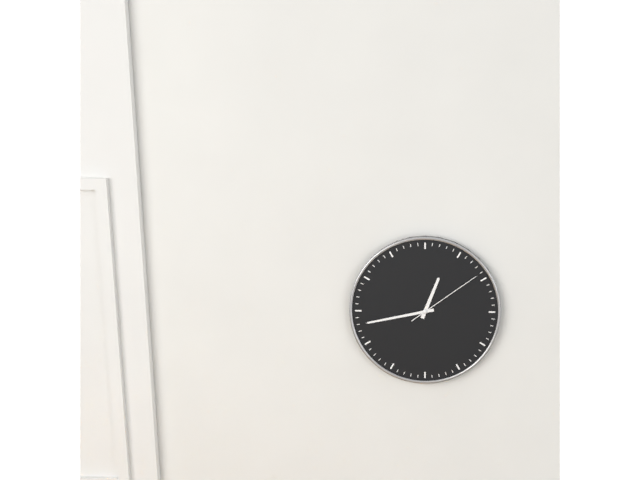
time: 12:43:09
